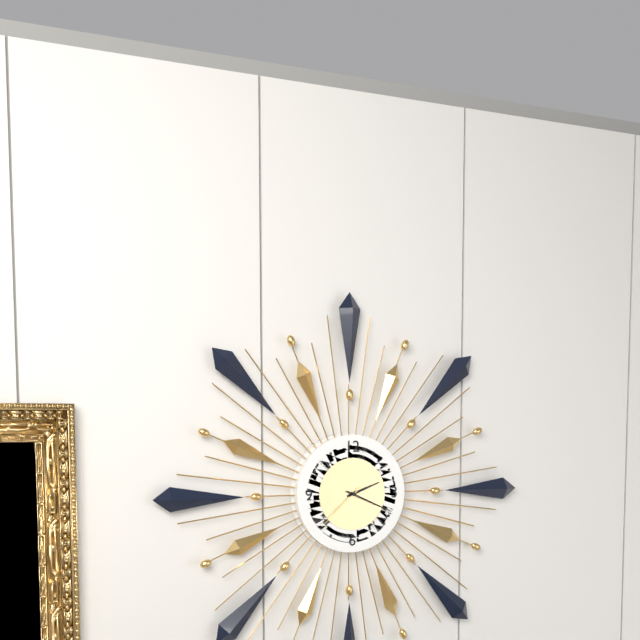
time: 2:19:38
